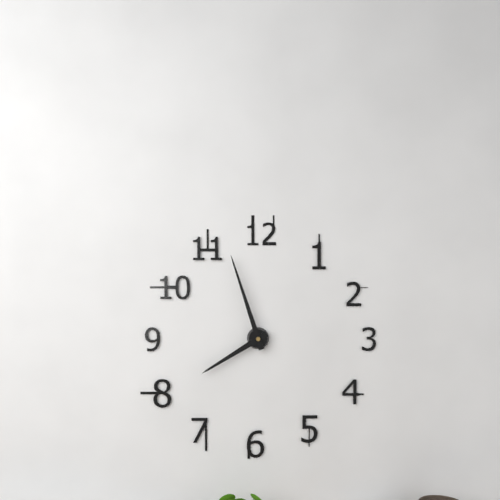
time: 7:57
